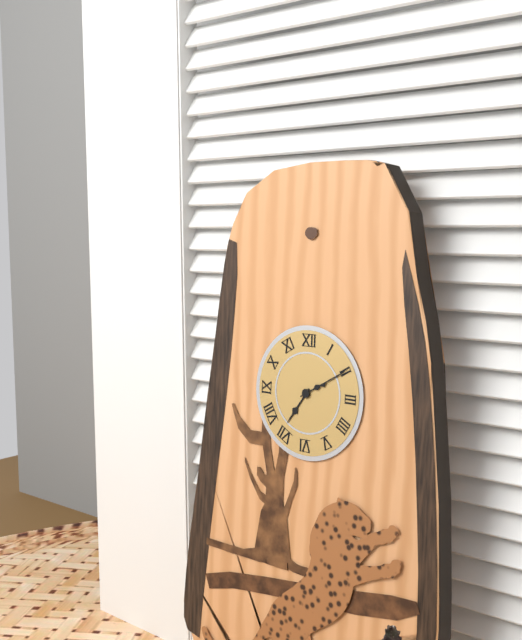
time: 7:10
